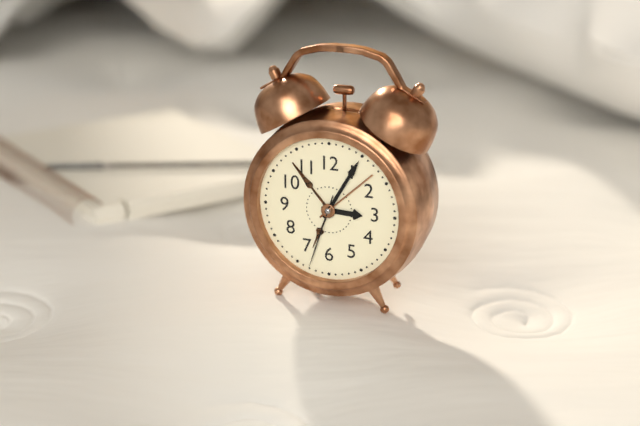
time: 3:05:33
